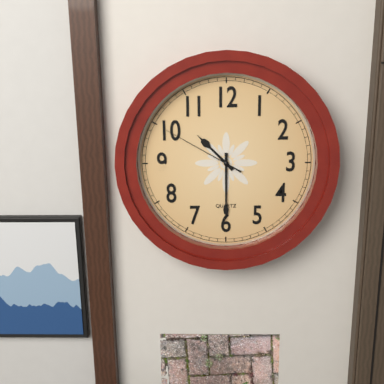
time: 10:30:50
